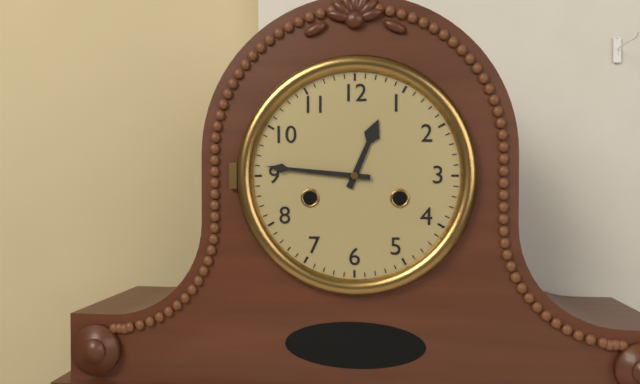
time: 12:46
